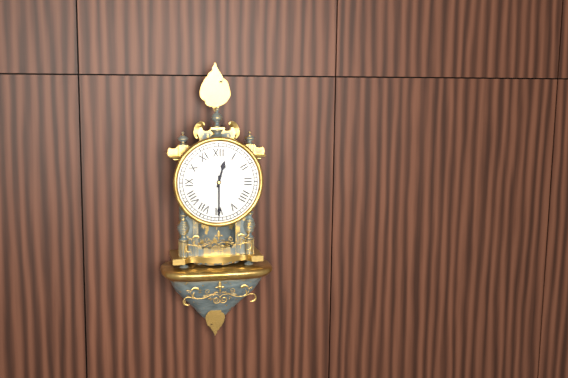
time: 12:30
